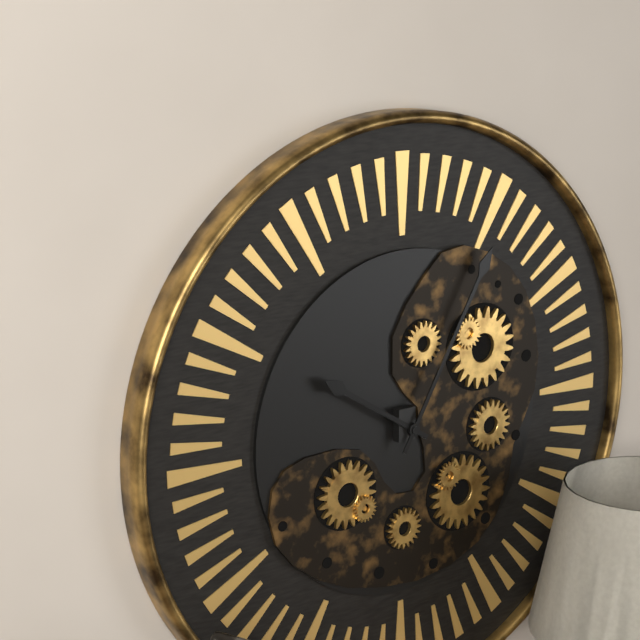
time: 10:05
